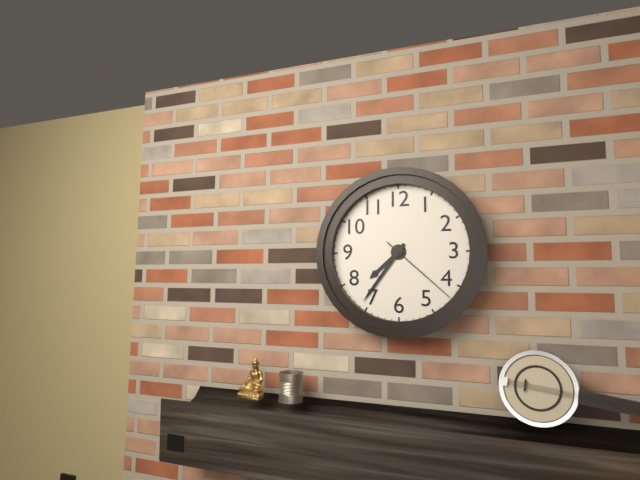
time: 7:36:22
